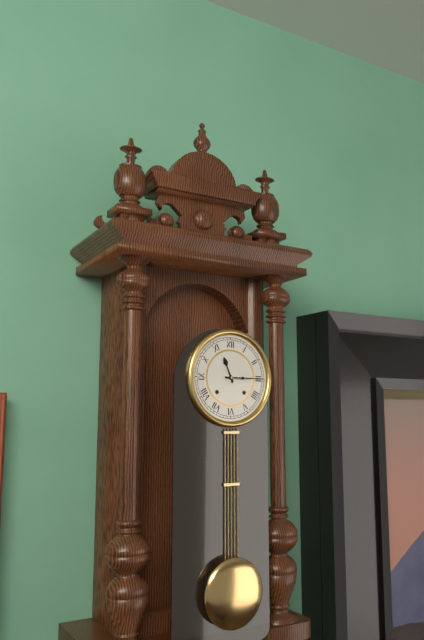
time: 11:15
